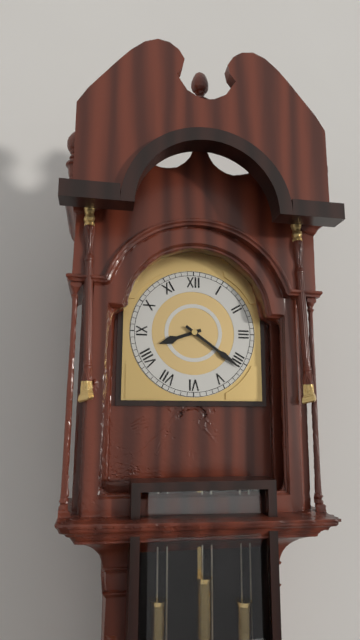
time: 8:21
